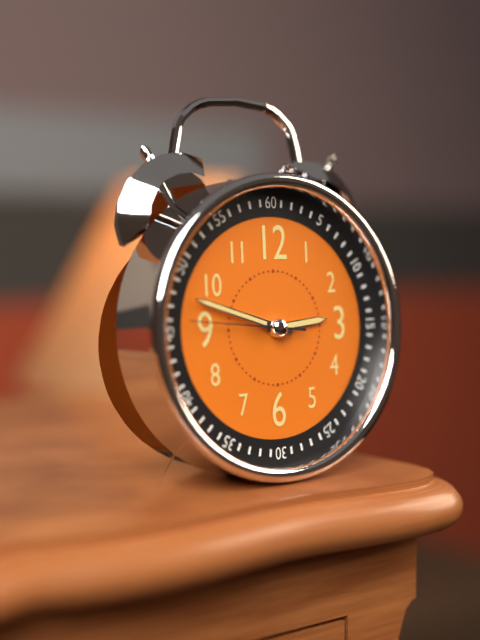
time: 2:48:46
